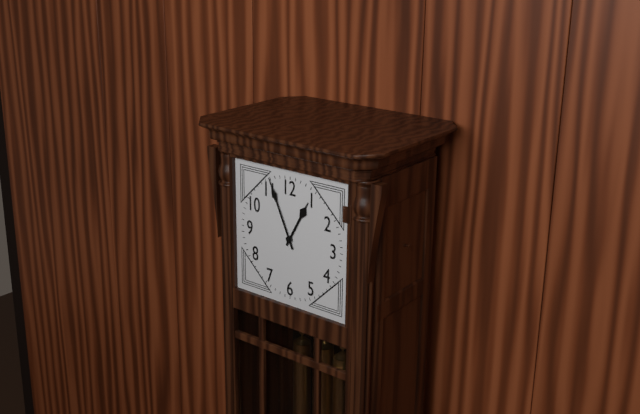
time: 12:56
